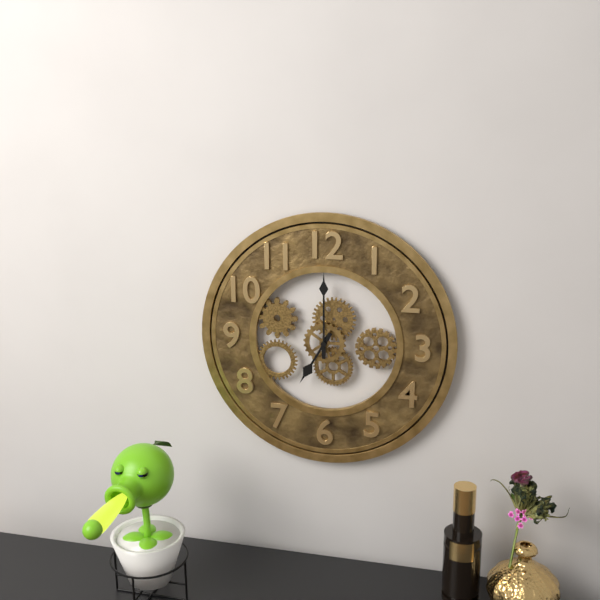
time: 7:00
